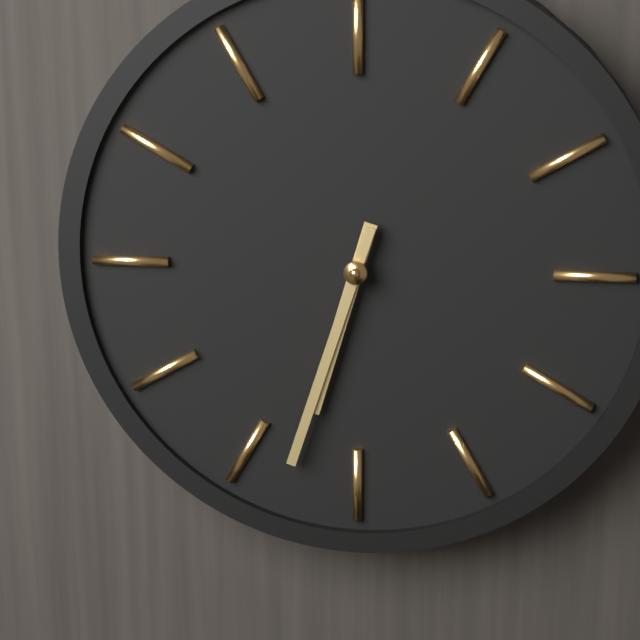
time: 6:33
